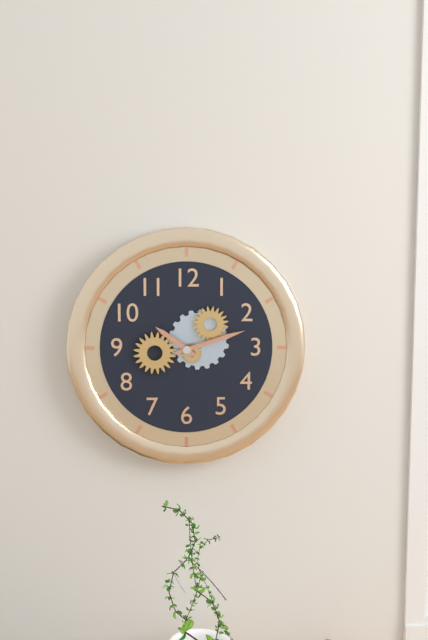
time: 10:12
